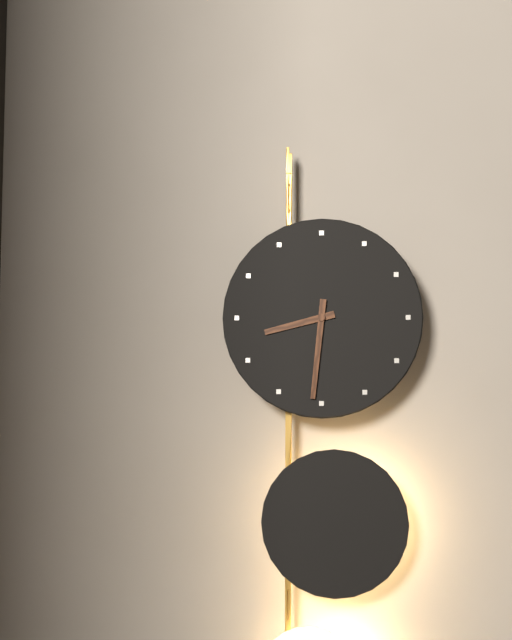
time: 8:31
